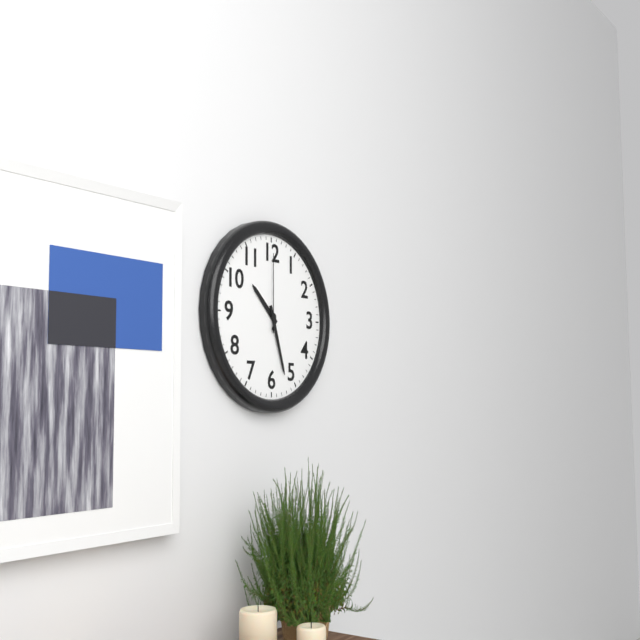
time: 10:27:00
